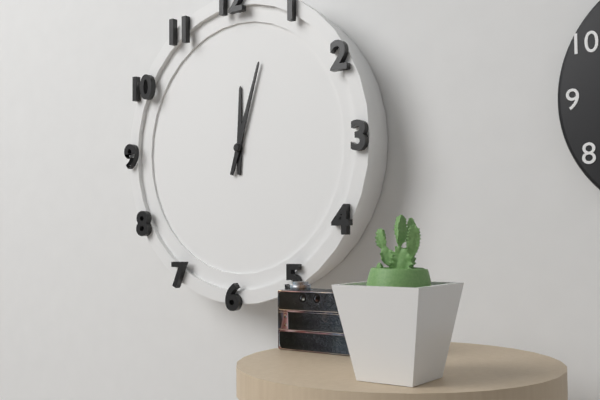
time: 12:03
